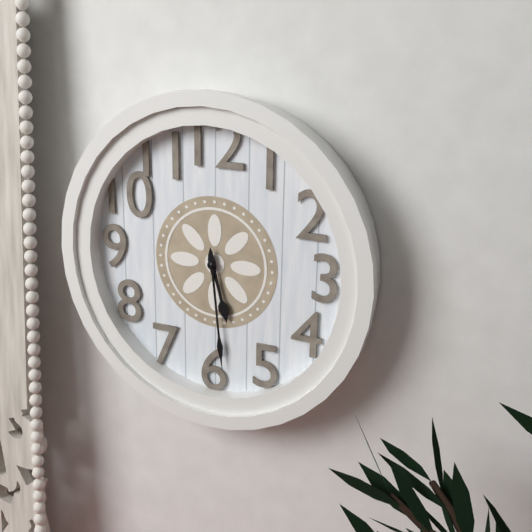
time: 5:29
